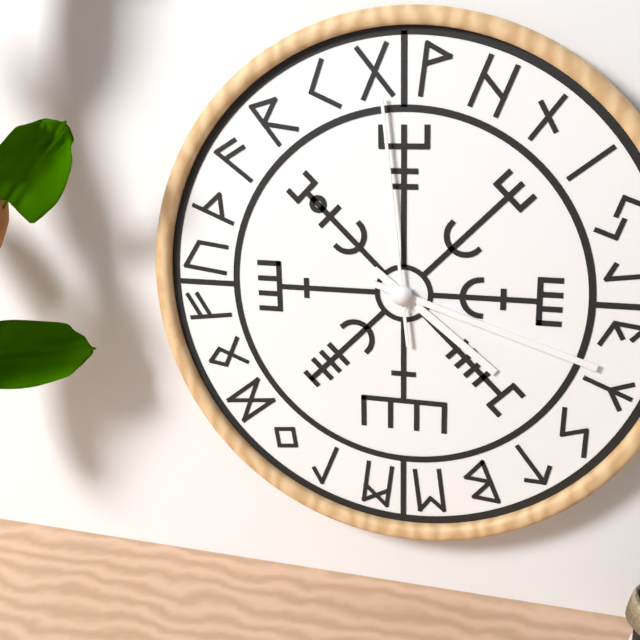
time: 4:18:59
